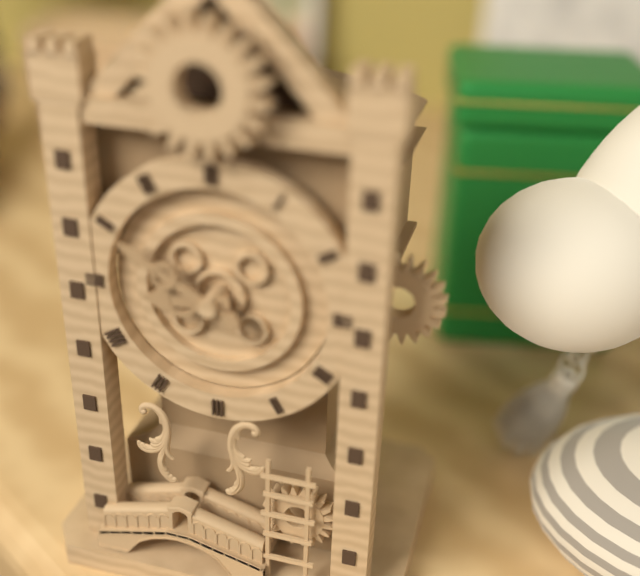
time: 8:50
